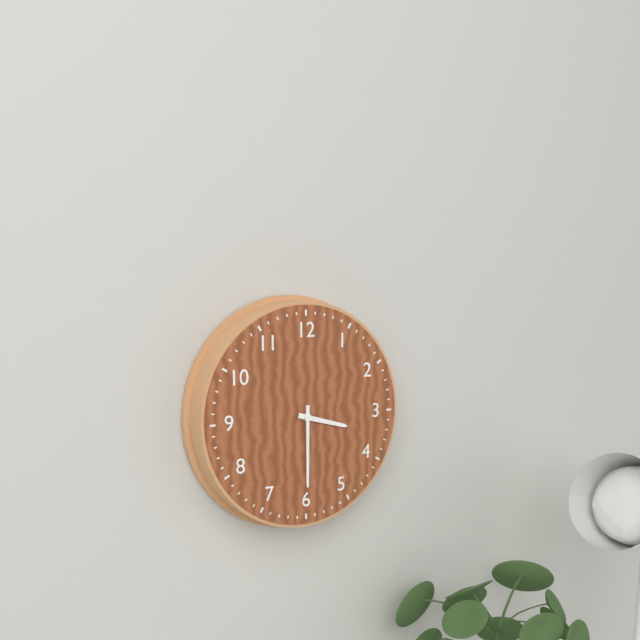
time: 3:30
